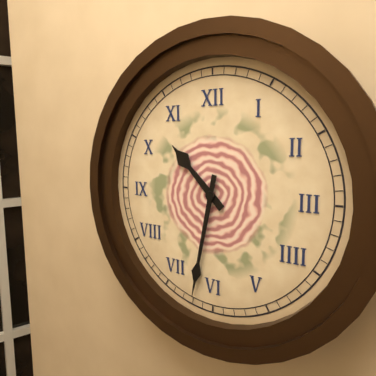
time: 10:32
